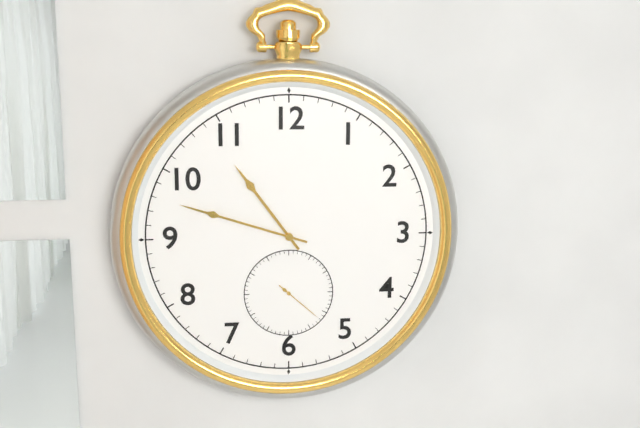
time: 10:48
